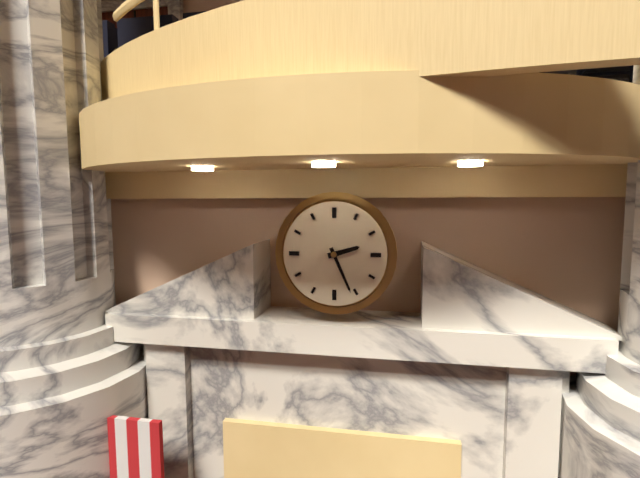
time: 2:26
